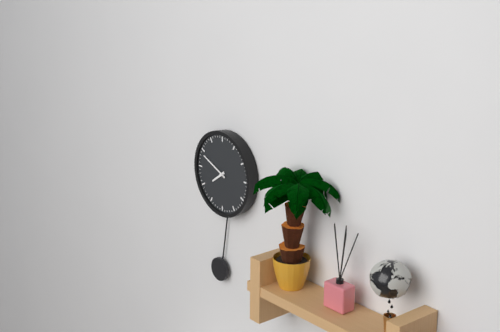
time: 7:49
